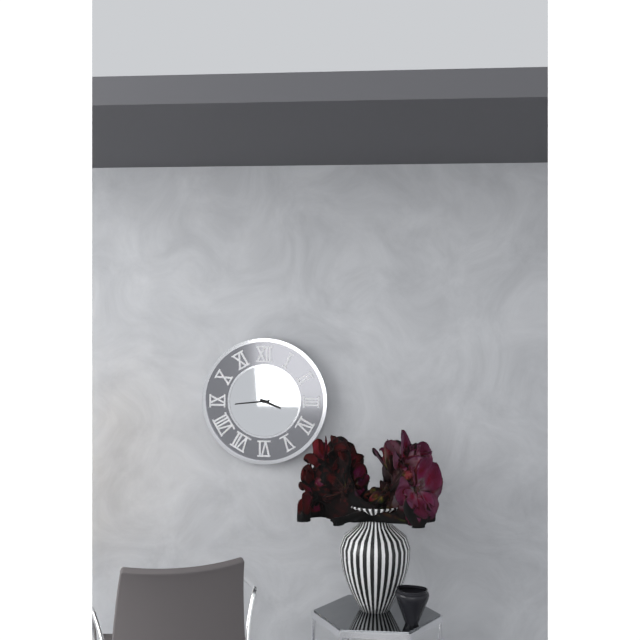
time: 3:44
